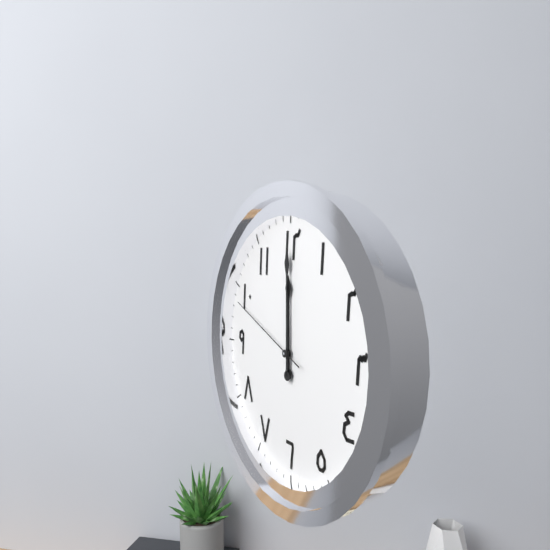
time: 12:00:49
